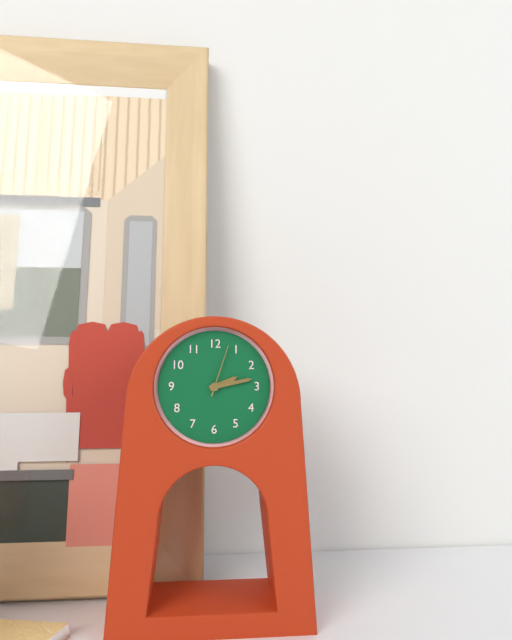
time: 2:13:03
